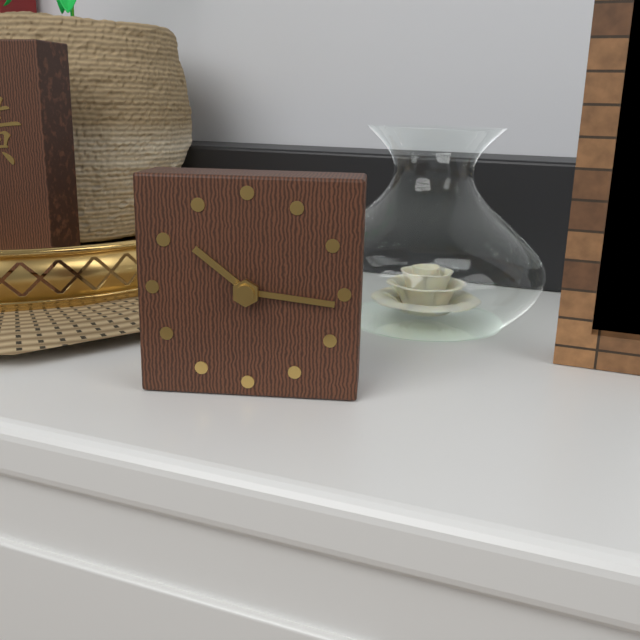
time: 10:16
